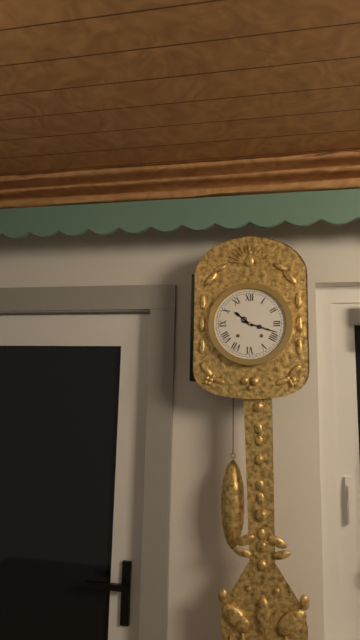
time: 10:18
